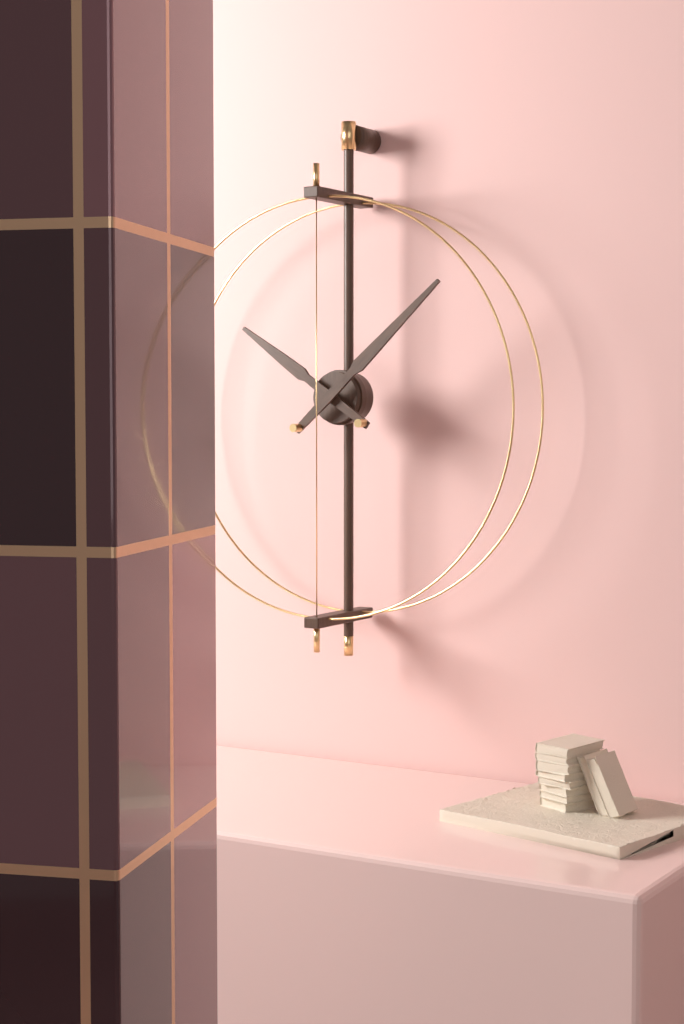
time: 10:08
